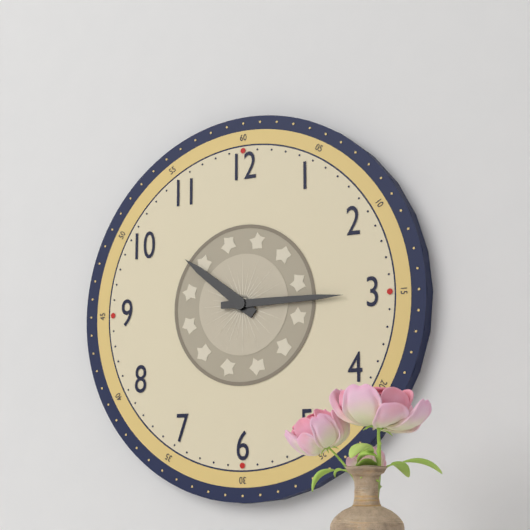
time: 10:15
